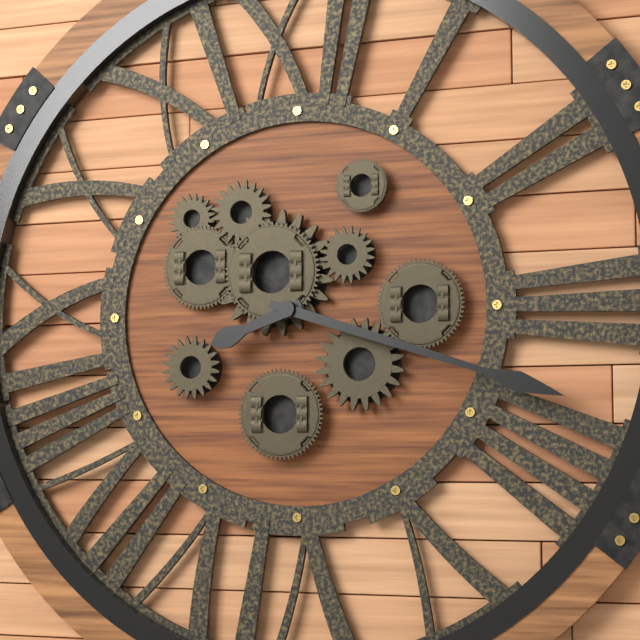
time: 8:18
